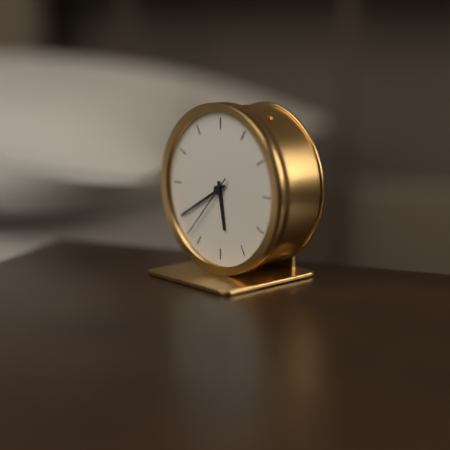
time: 5:40:37
